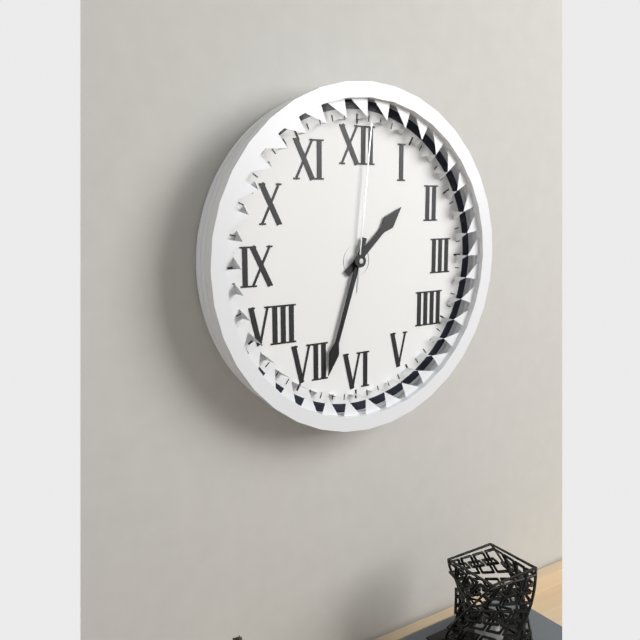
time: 1:33:01
